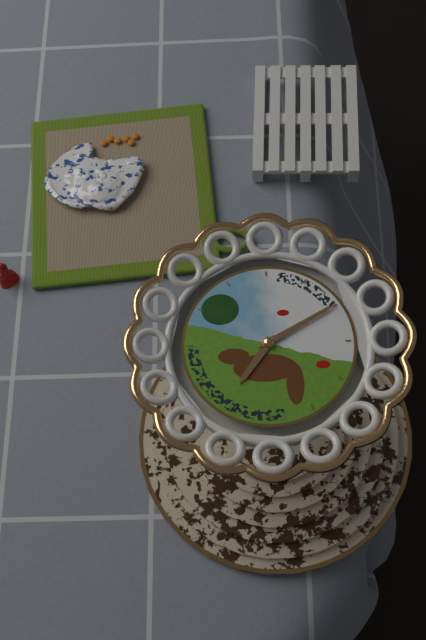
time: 7:10
